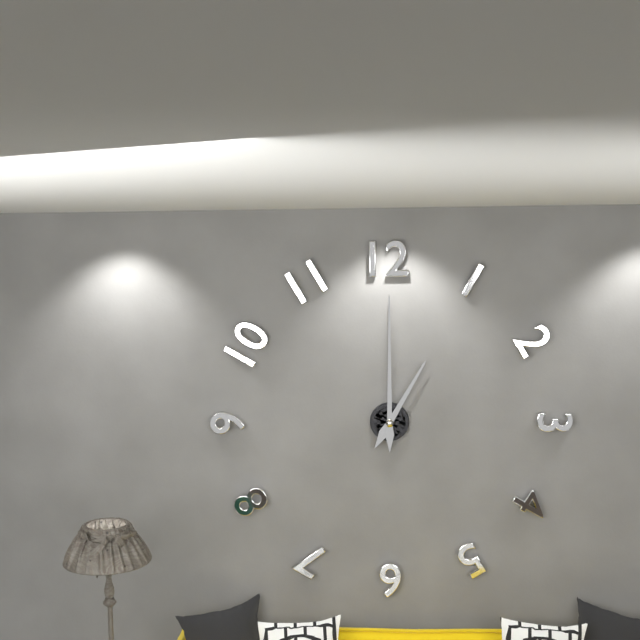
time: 1:00
